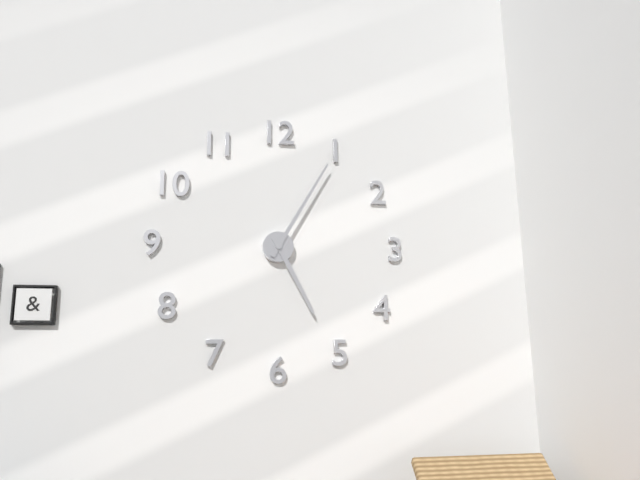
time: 5:05
